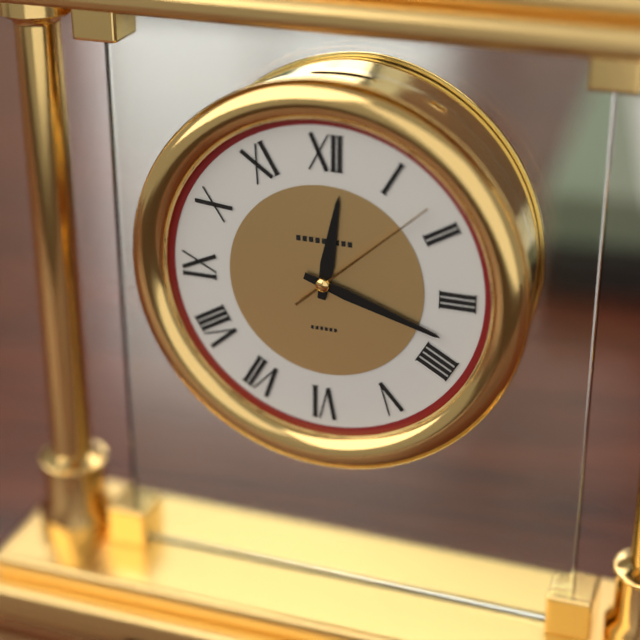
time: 12:18:08
